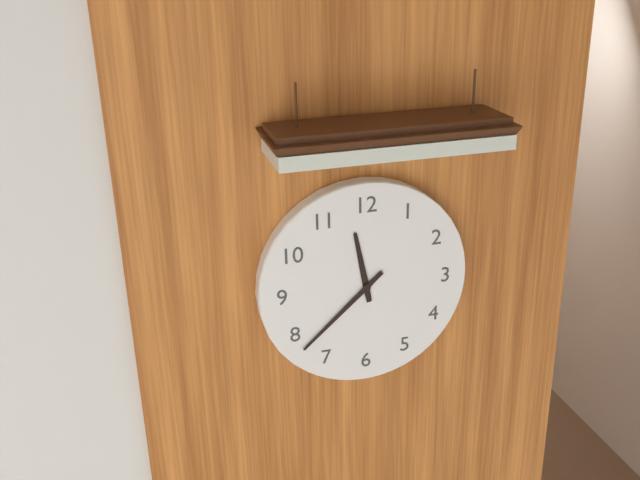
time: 11:38
